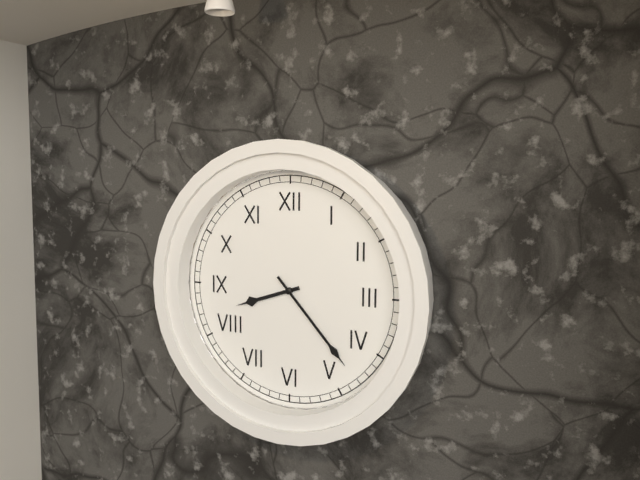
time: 8:23
